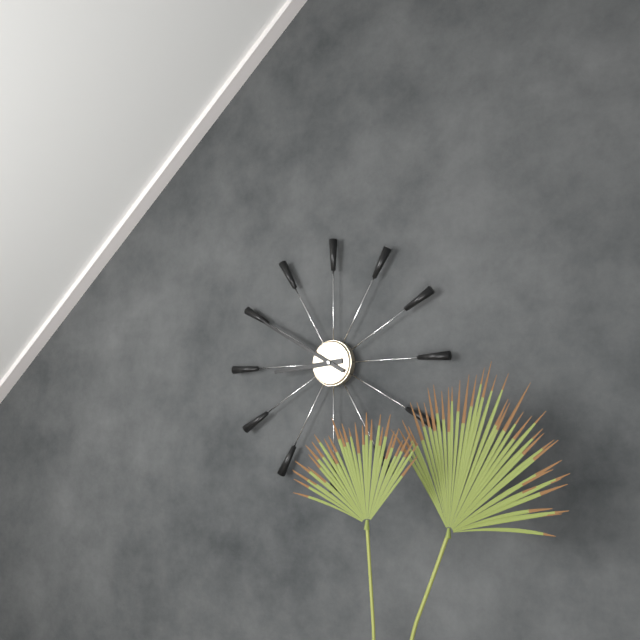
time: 8:50
